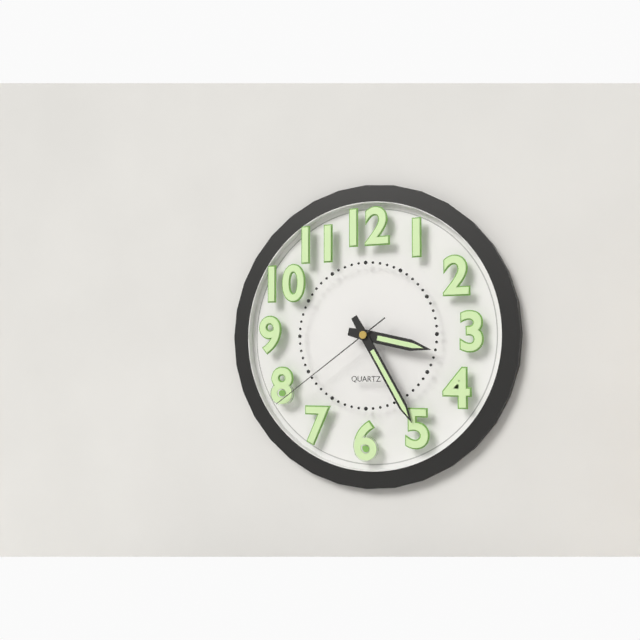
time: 3:25:39
